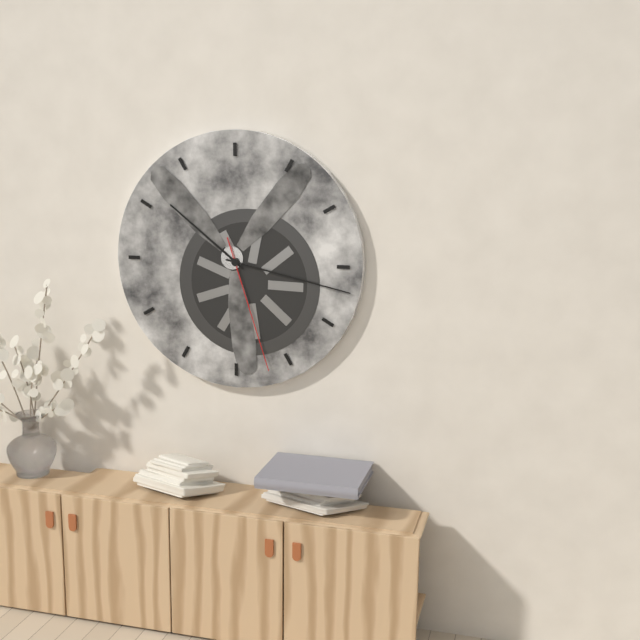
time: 10:17:27
